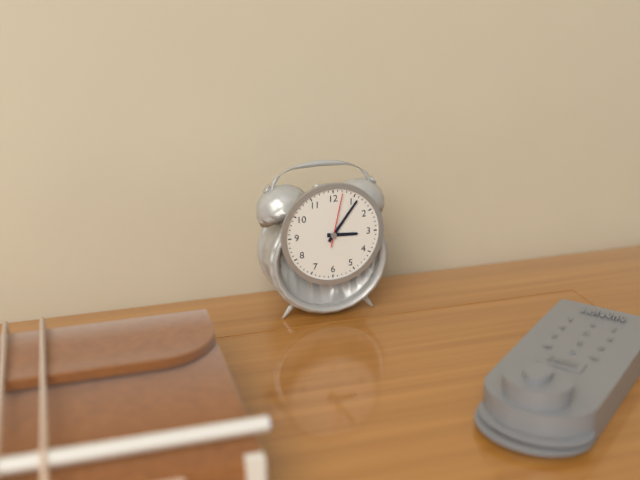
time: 3:06:02
